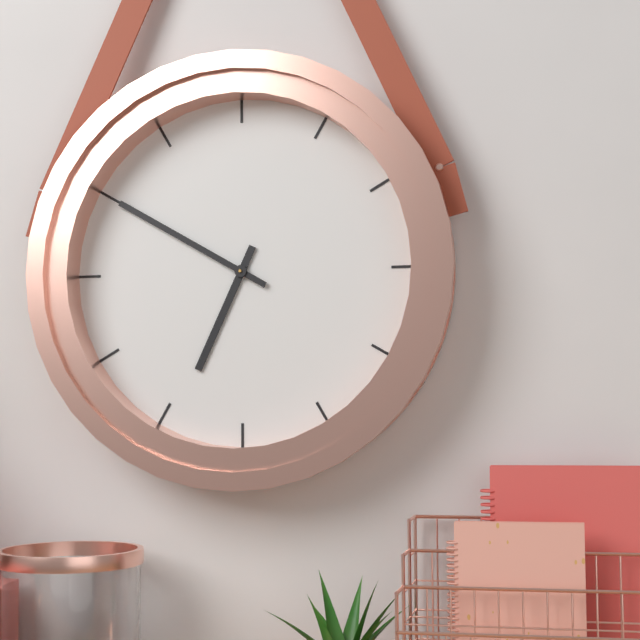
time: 6:50
